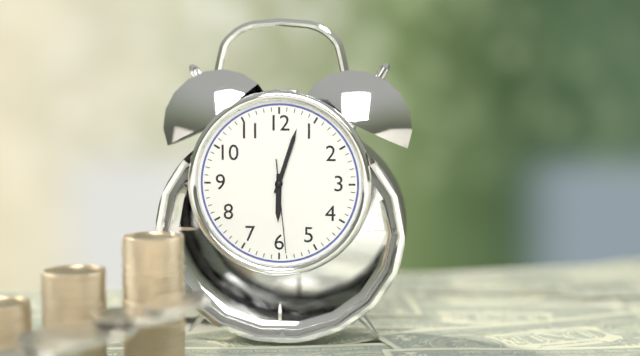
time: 6:03:29
